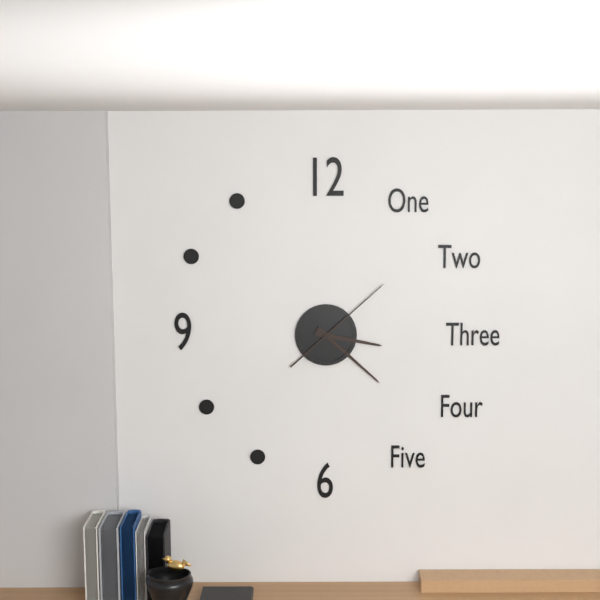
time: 3:22:08
